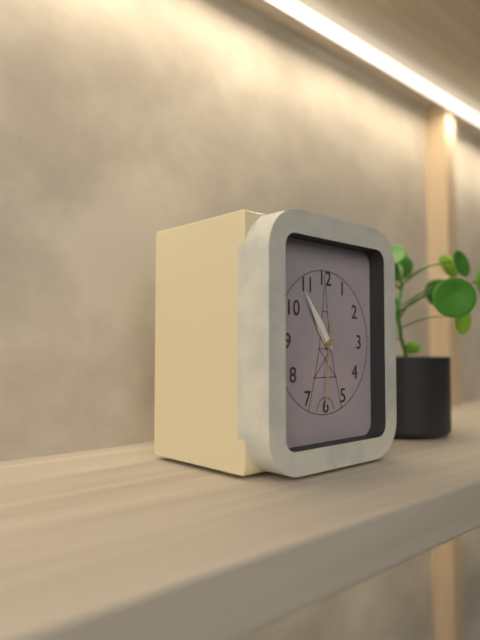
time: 10:54:31
